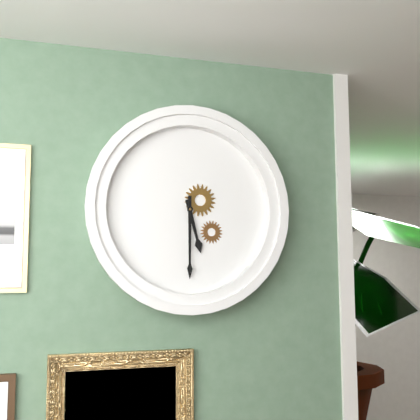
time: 5:30
